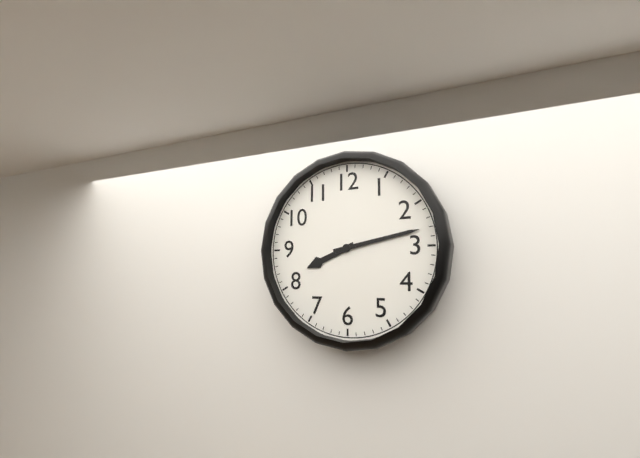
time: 8:13
